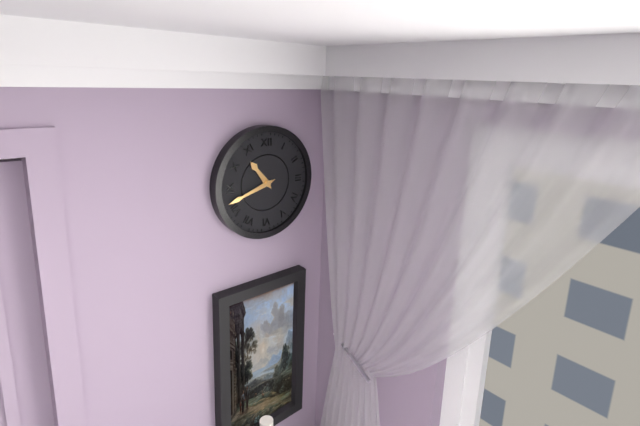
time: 10:42
